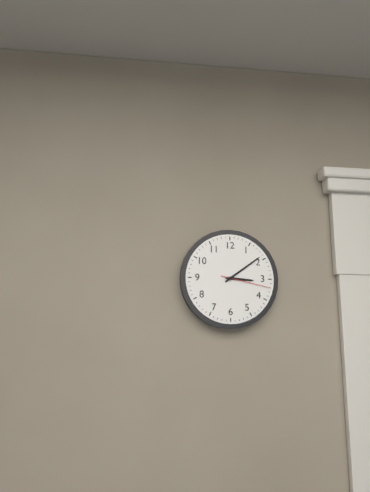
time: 3:09:17
